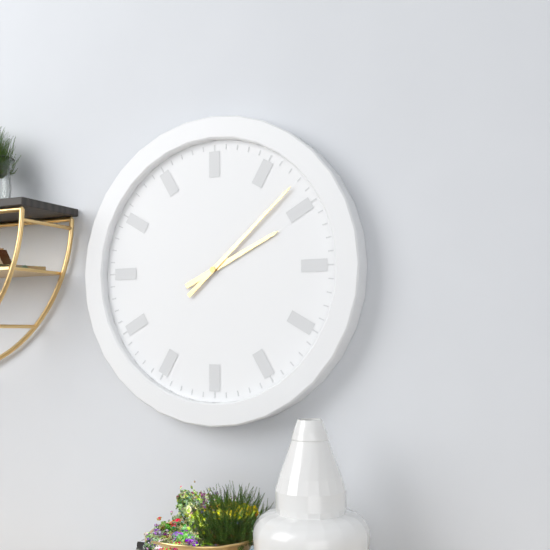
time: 2:08
